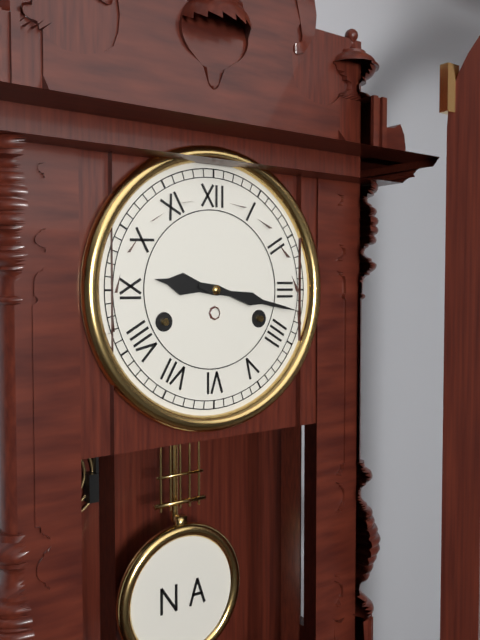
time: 9:17
